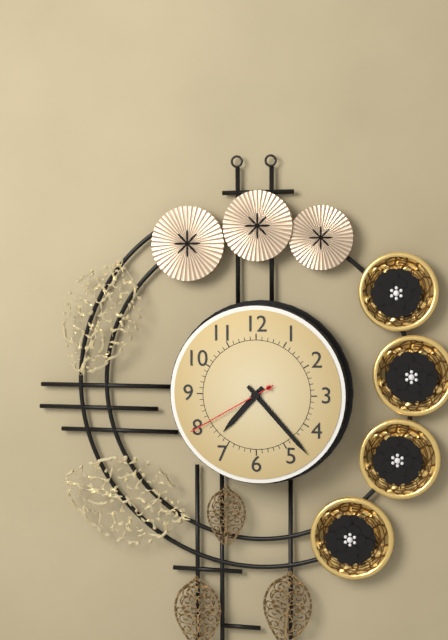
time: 7:23:40
